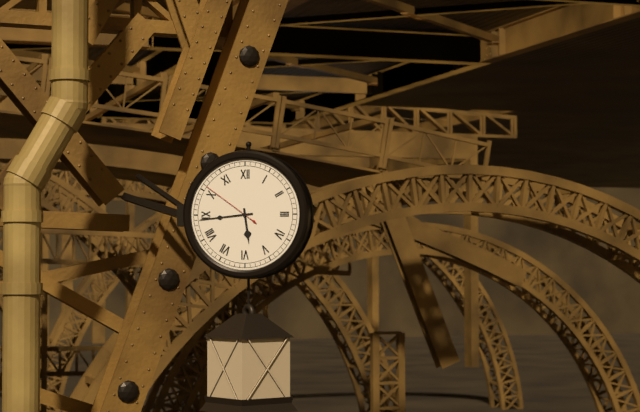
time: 5:44:51
